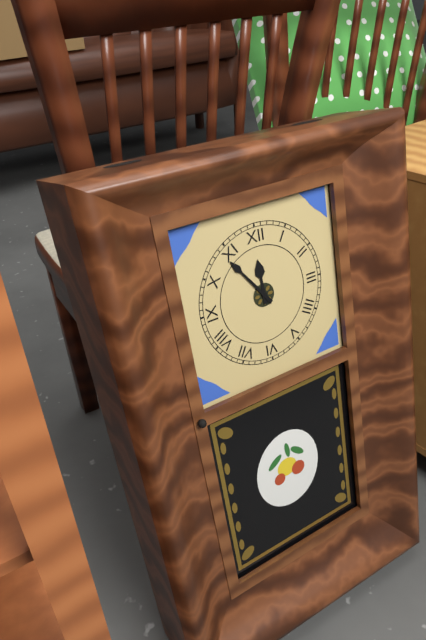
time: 11:54
